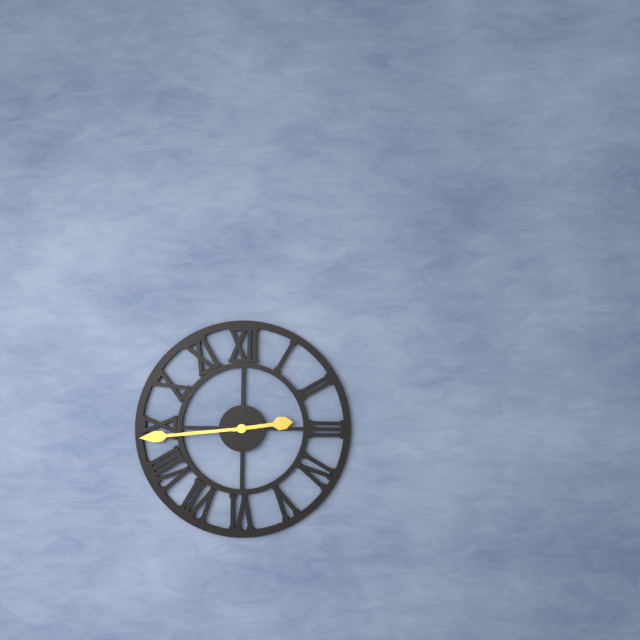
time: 2:44
